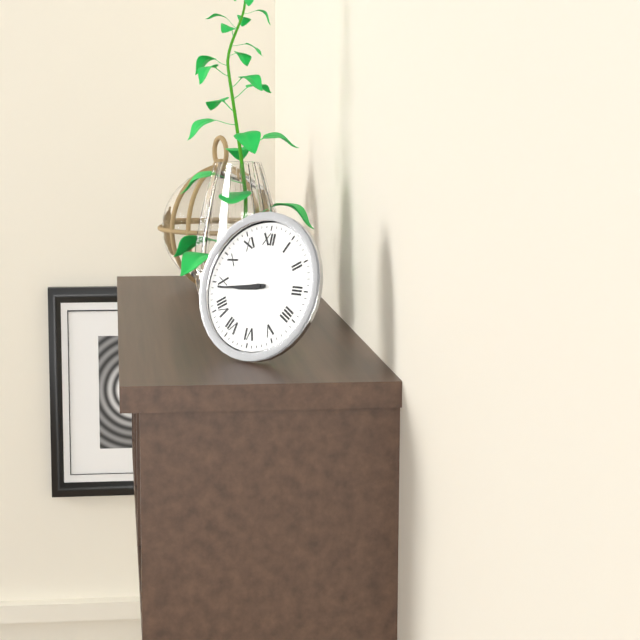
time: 8:44
